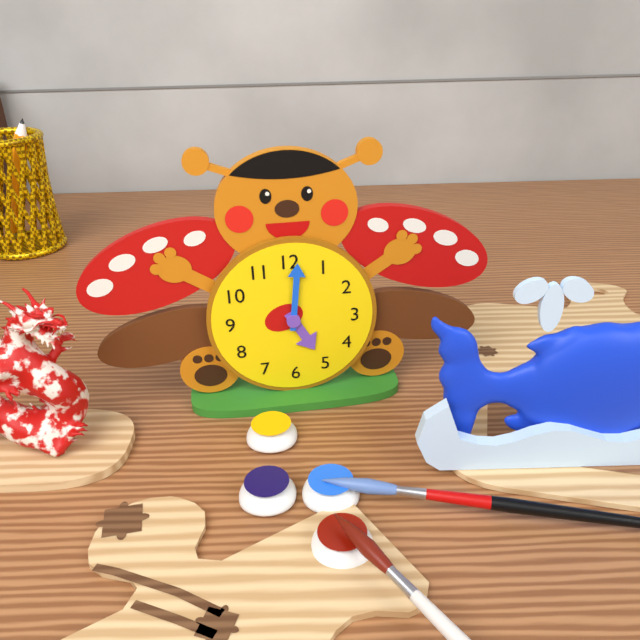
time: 5:01
